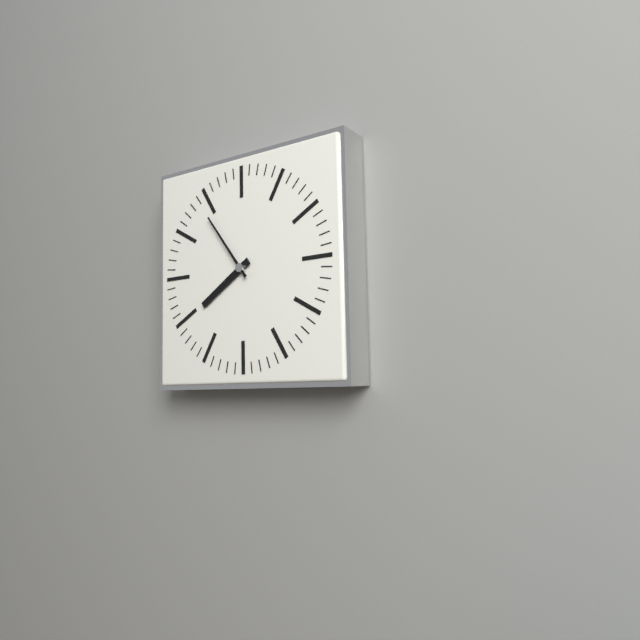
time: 7:54
